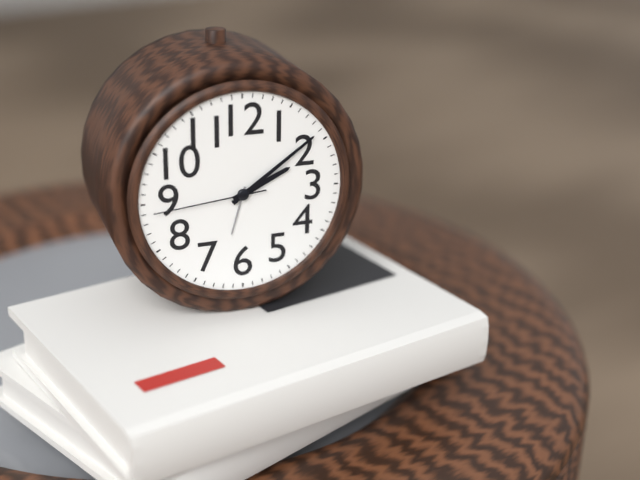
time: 2:09:44
